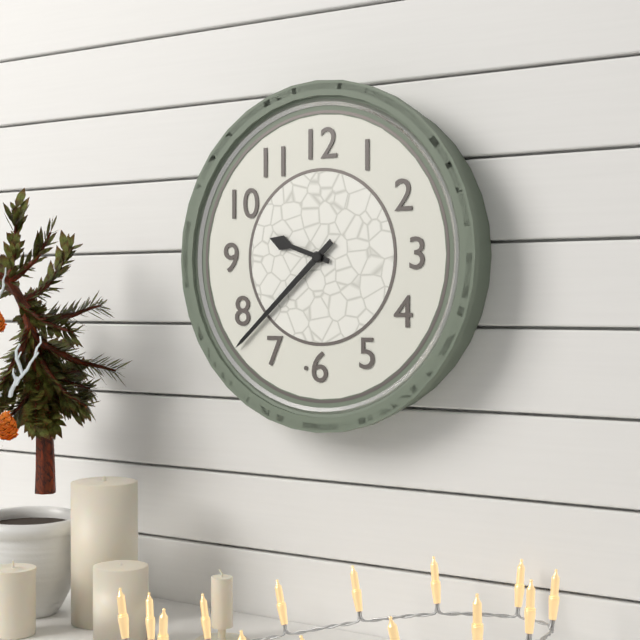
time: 9:38
